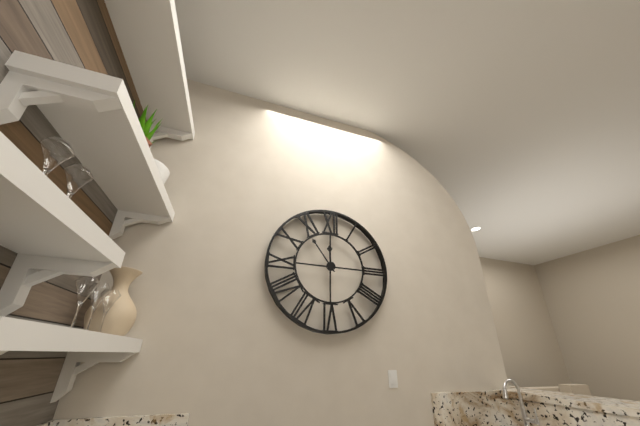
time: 11:54
